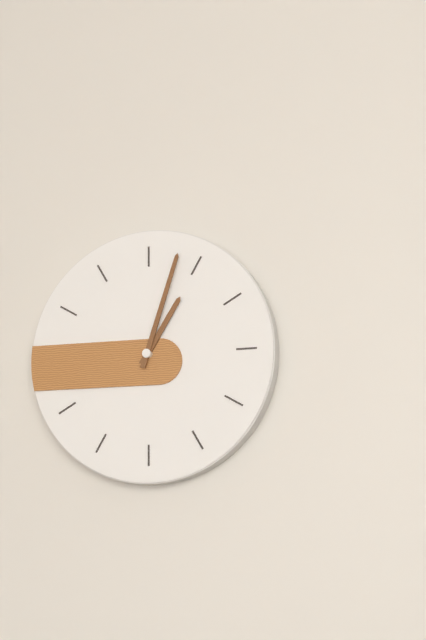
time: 1:03
